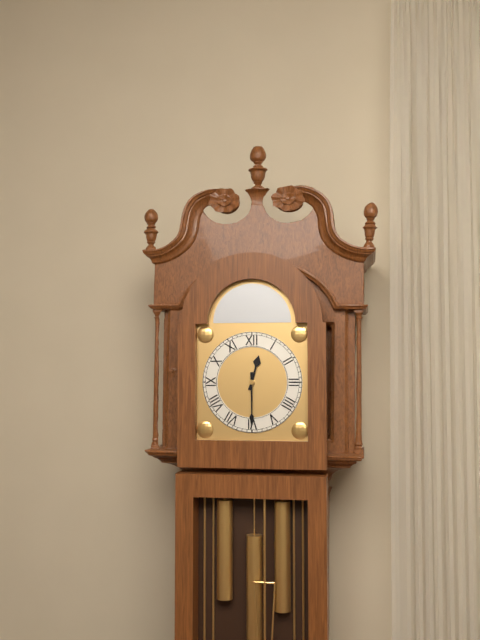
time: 12:30
